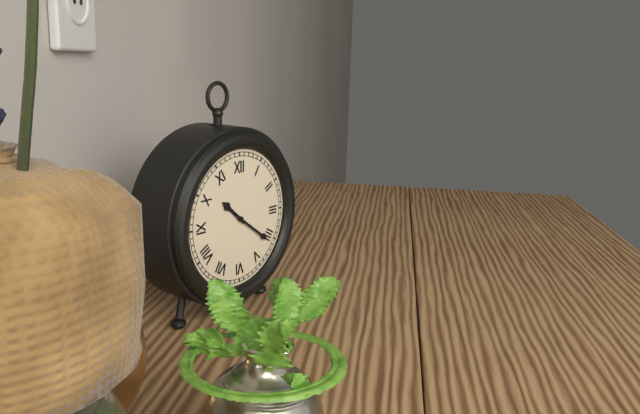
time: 10:21
